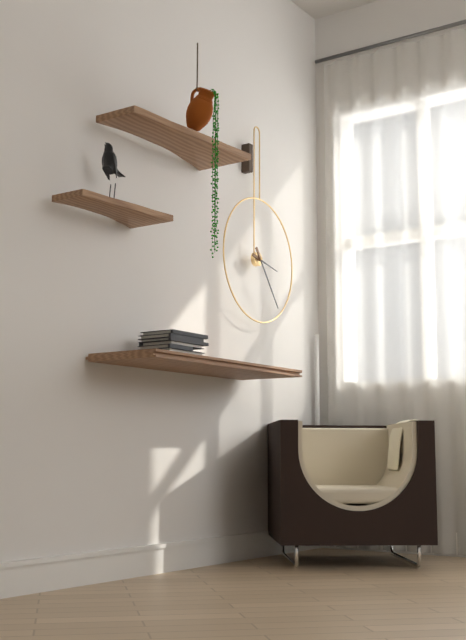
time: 3:24
